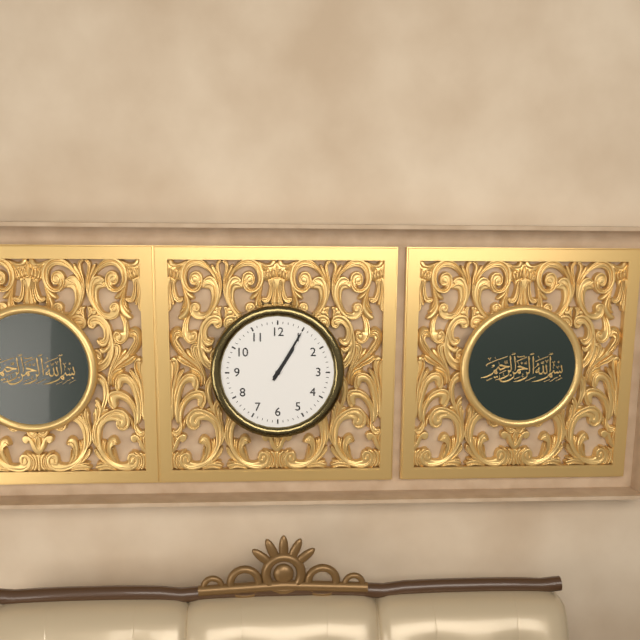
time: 1:05
